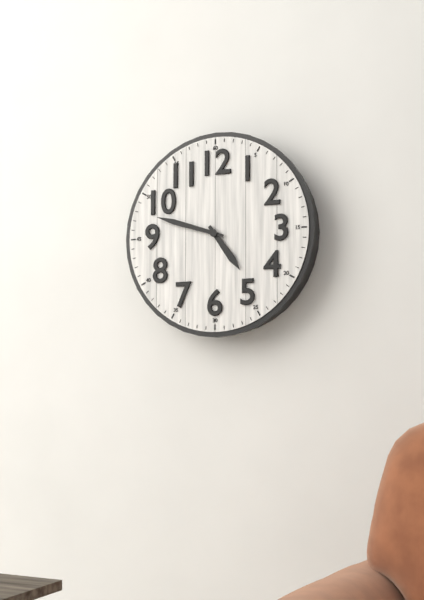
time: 4:48
